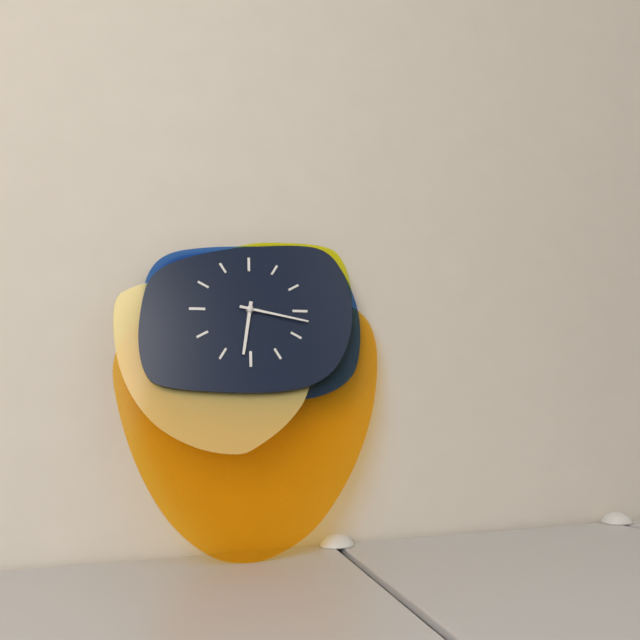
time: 6:17
